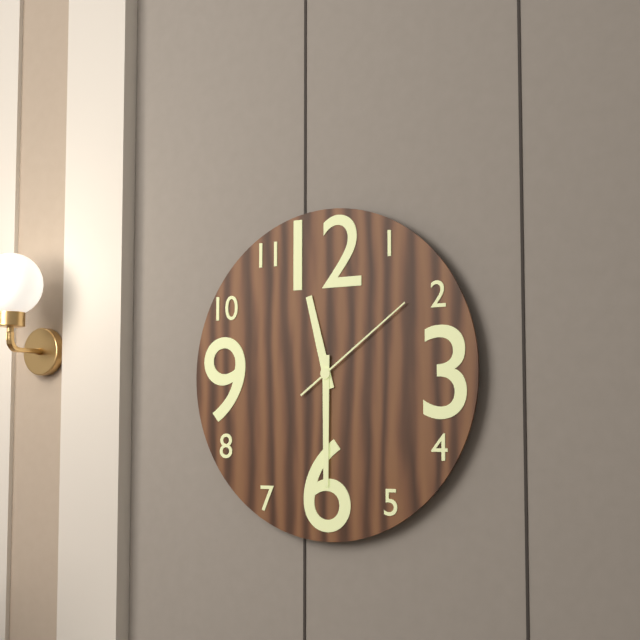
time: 11:30:09
